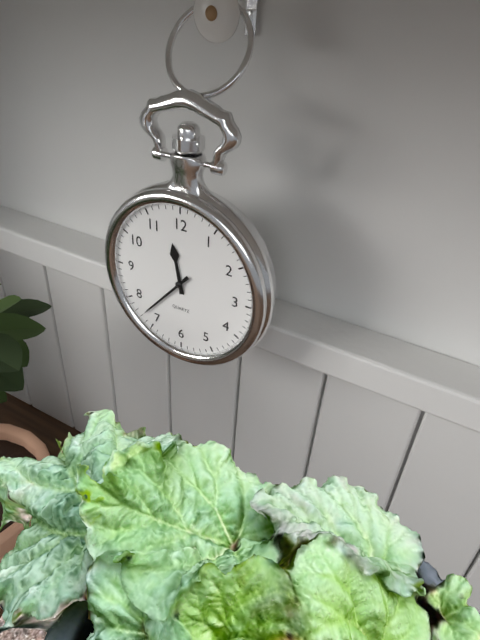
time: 11:37
